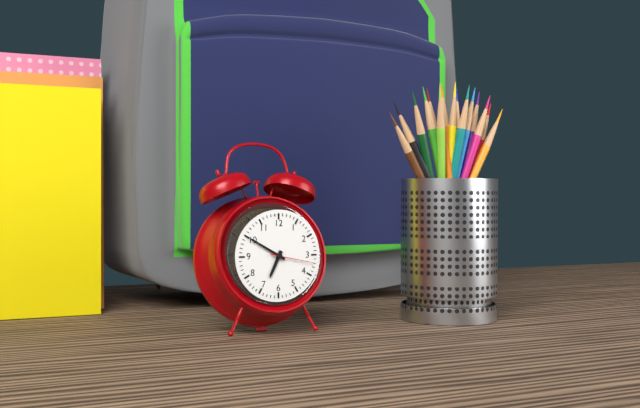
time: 6:50
